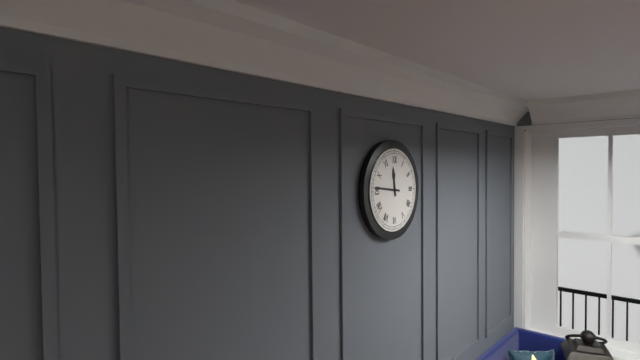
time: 11:46
